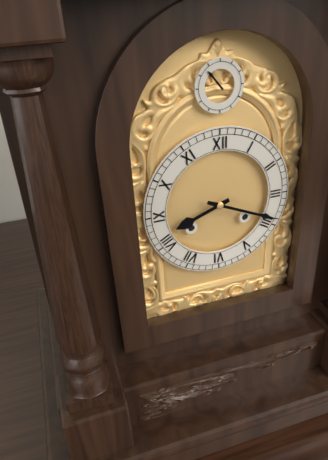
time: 8:19
